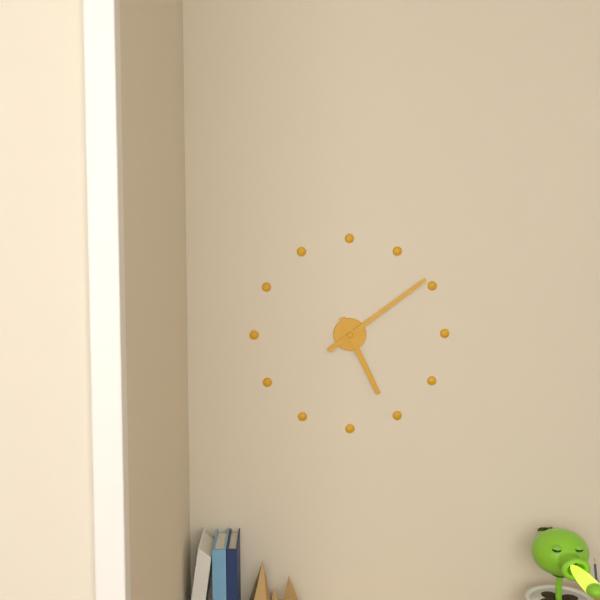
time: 5:09
